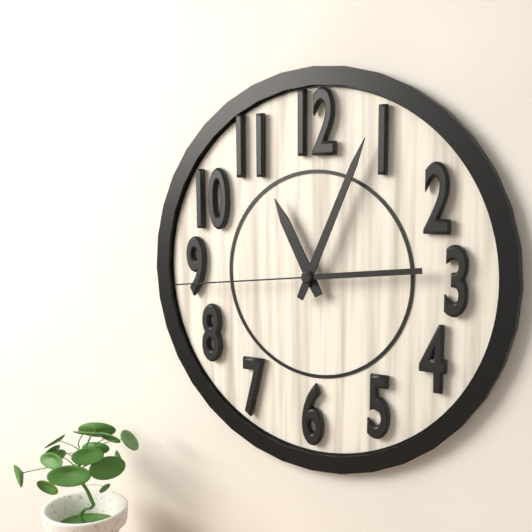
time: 11:04:44
